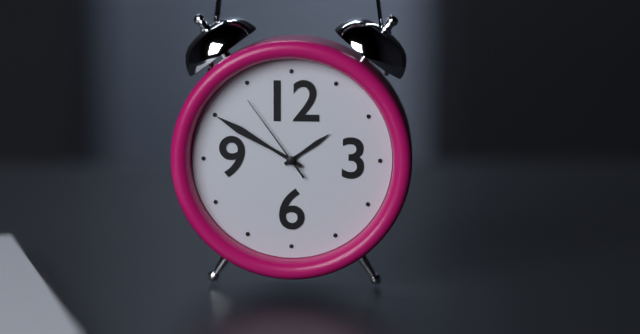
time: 1:50:54
